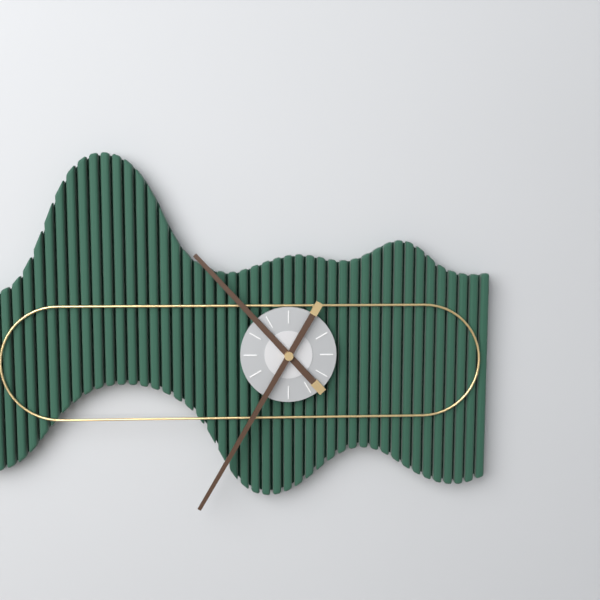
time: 10:35
